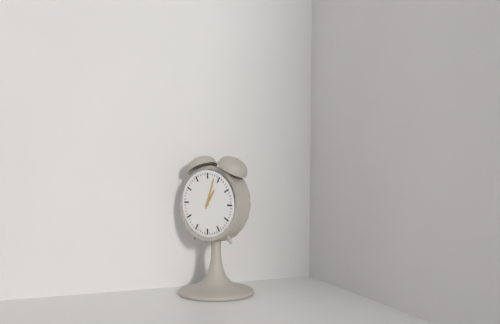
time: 1:03
